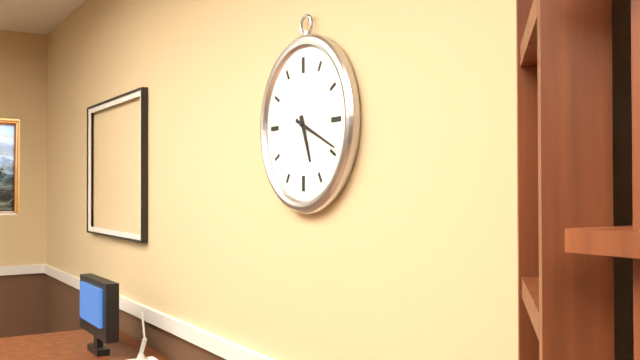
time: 5:19
